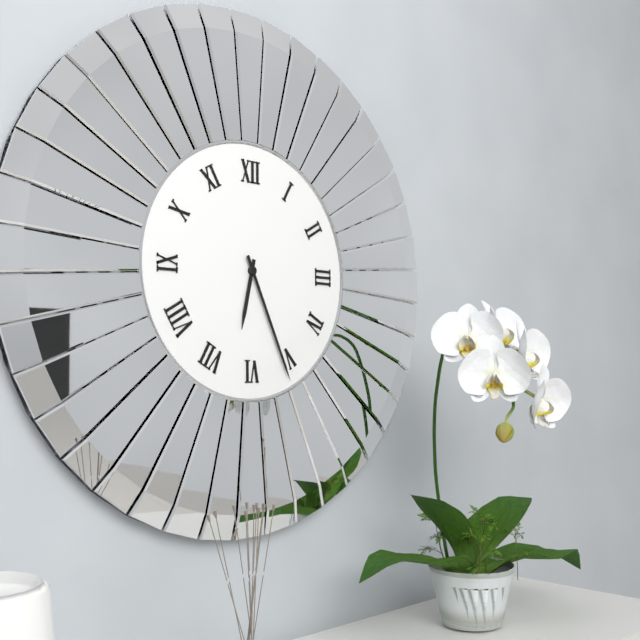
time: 6:26
